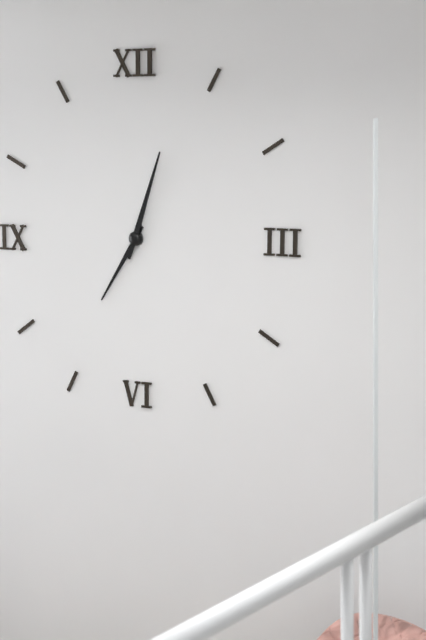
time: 7:03
